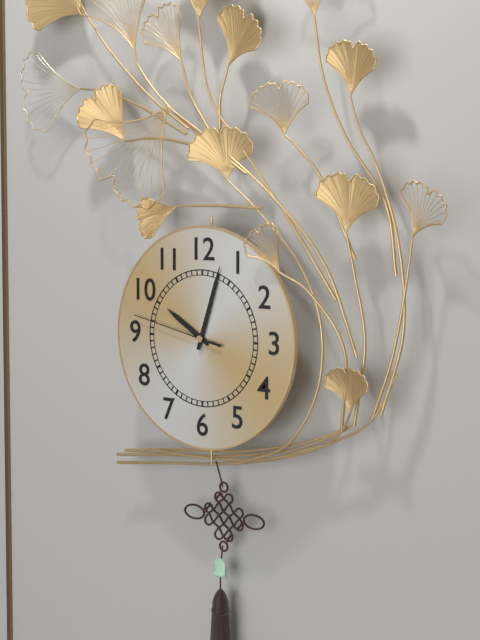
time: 10:03:47
